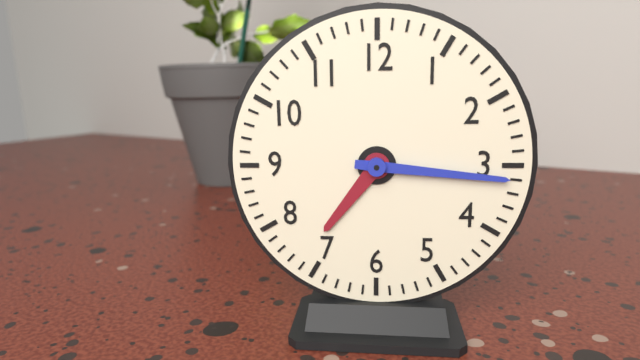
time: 7:16
